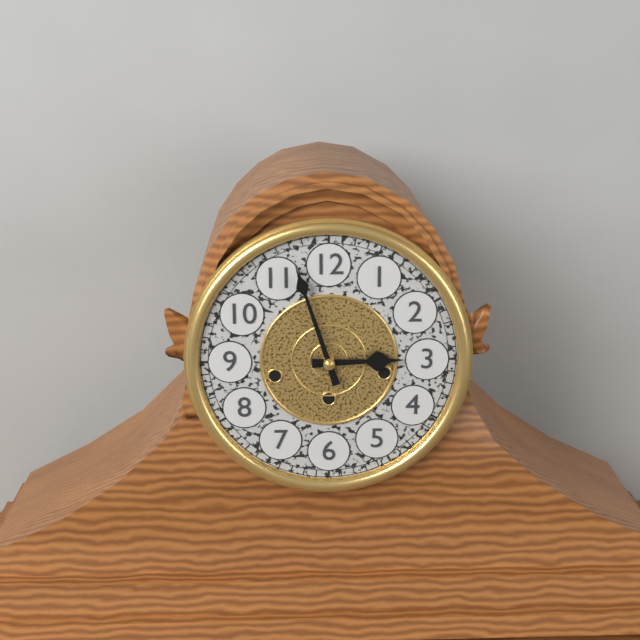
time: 2:57
